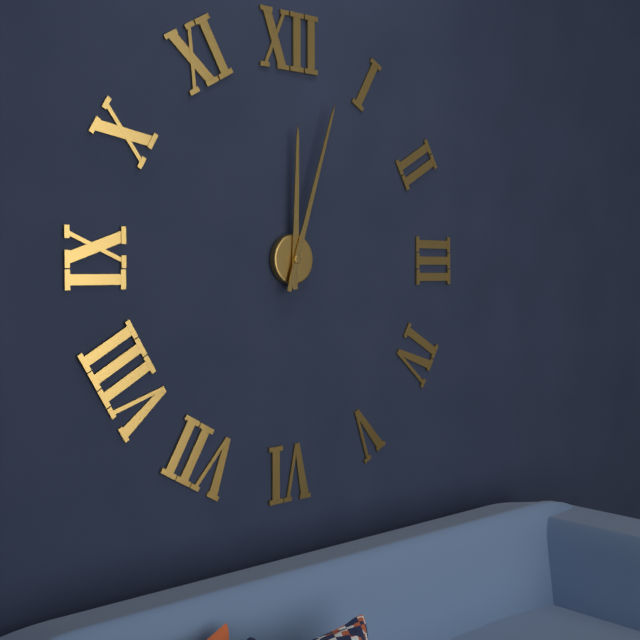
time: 12:03
